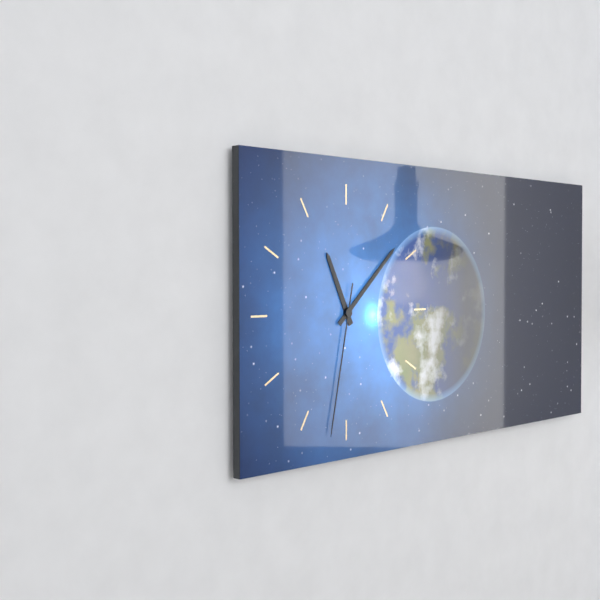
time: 11:08:32
